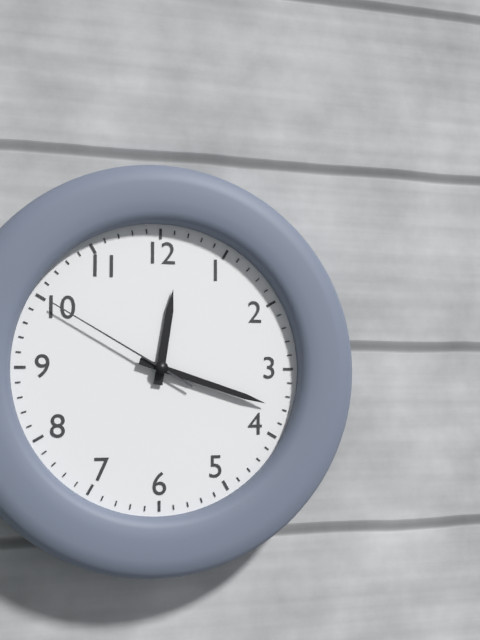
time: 12:18:50
